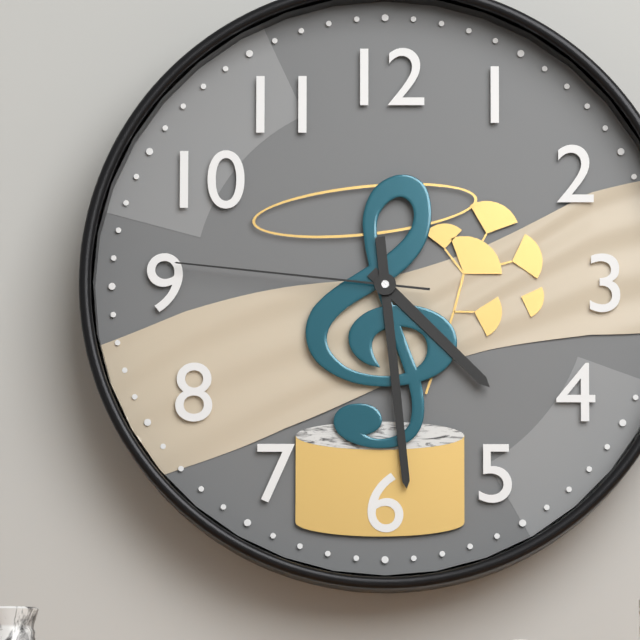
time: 4:29:46
